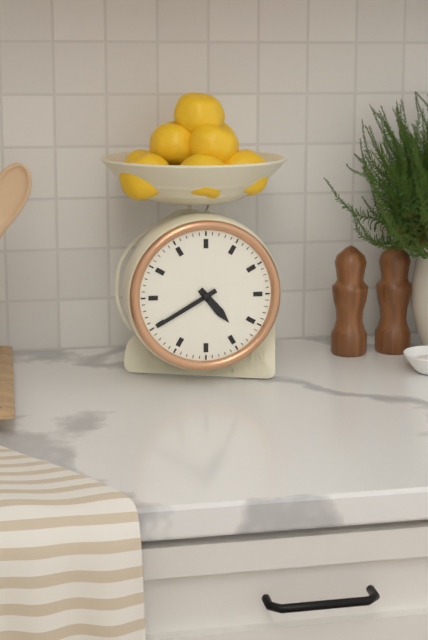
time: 4:40
